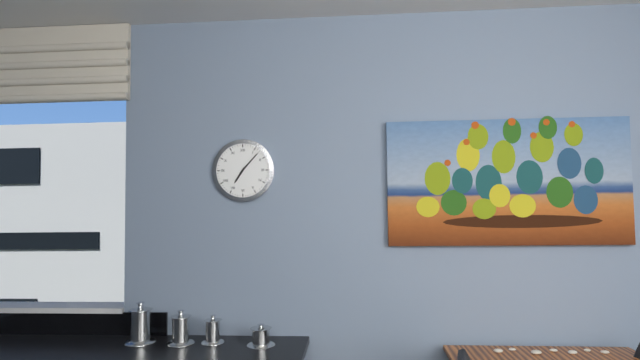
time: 7:07
